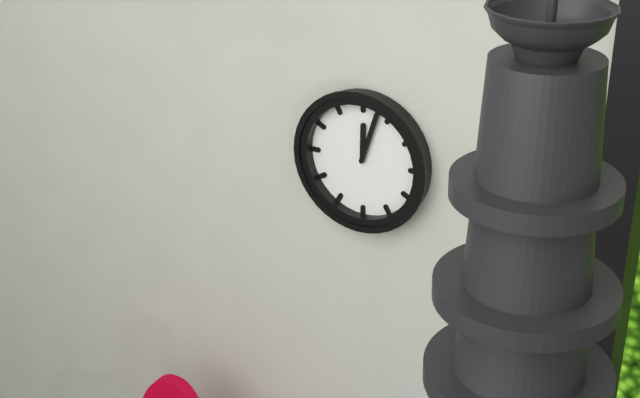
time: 12:03
